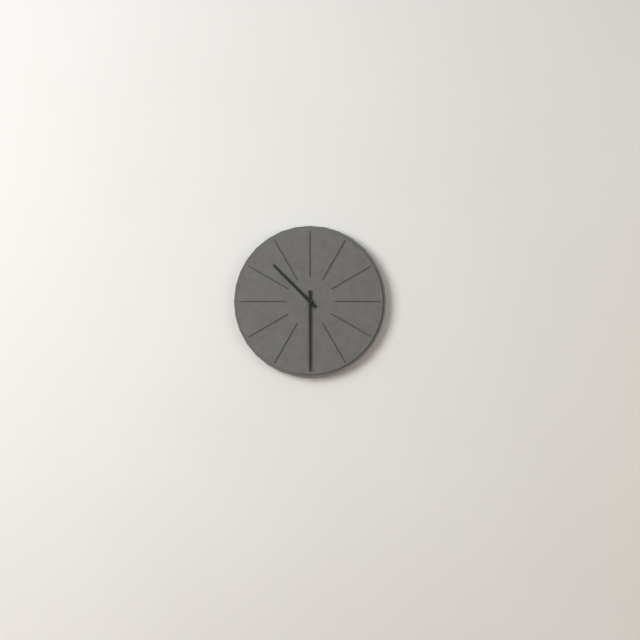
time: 10:30
